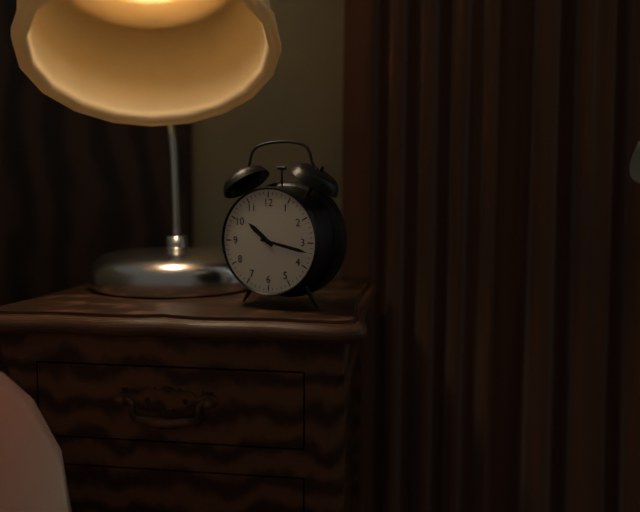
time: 10:17
